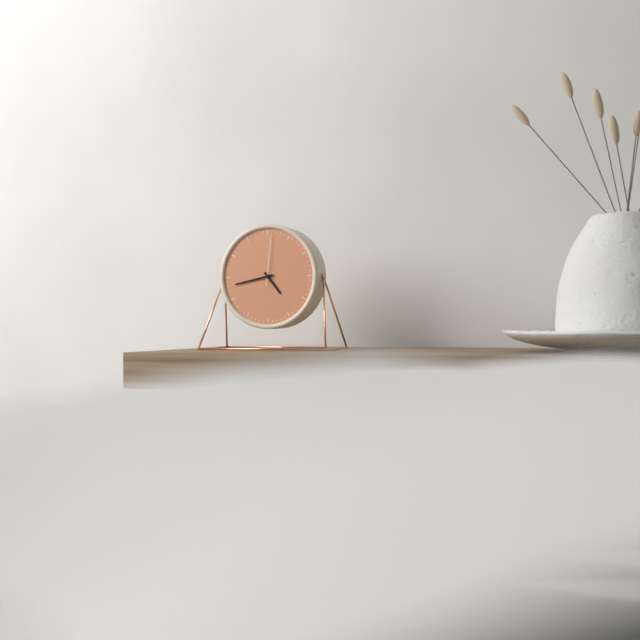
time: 4:43:01
